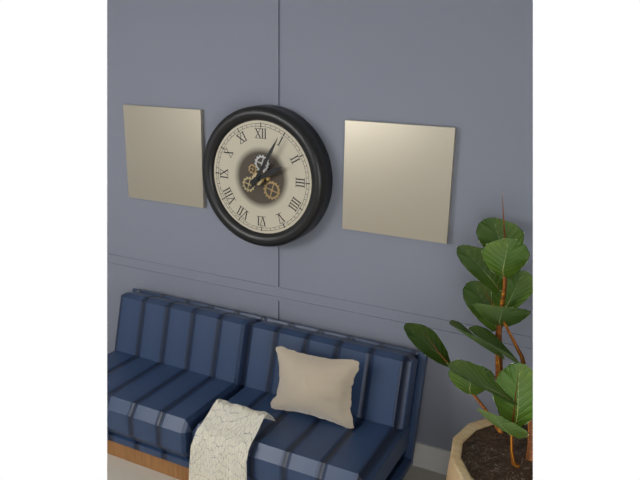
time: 2:05
